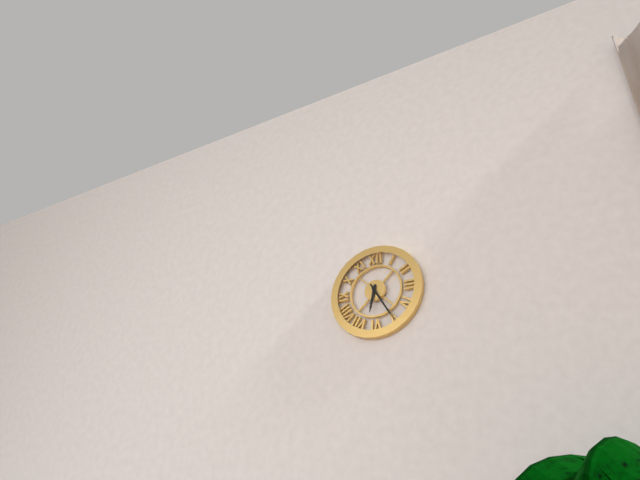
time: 6:25
